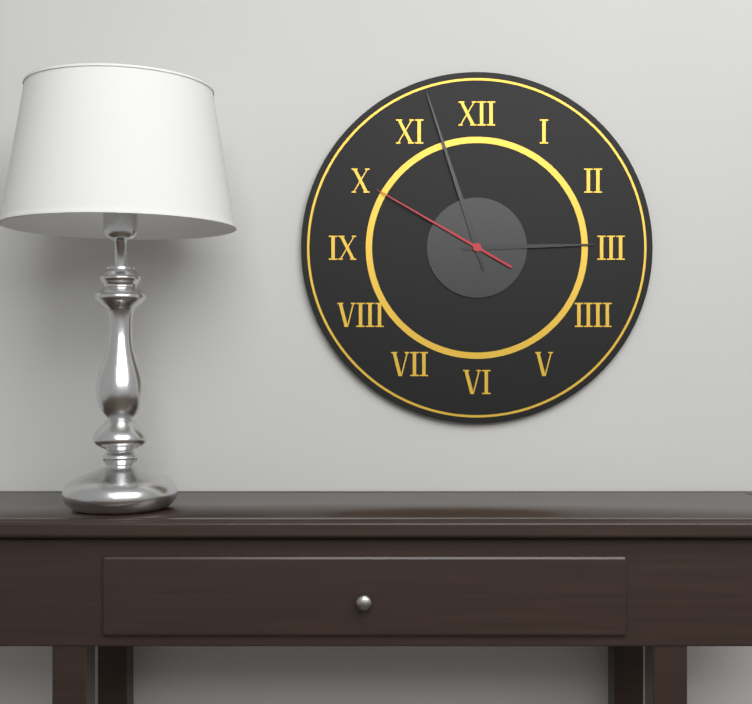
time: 2:57:50
